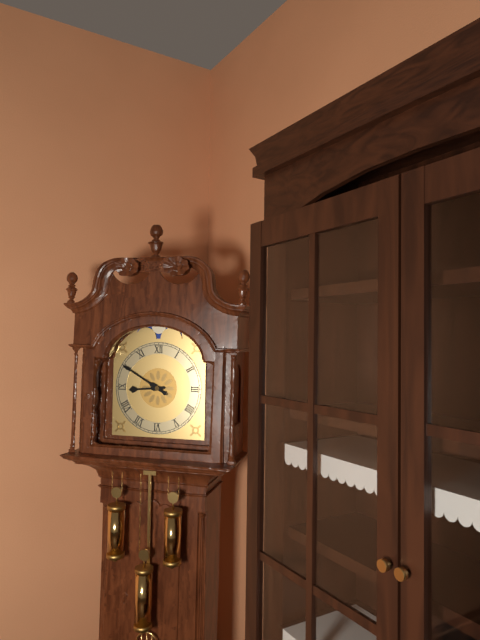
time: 8:50
